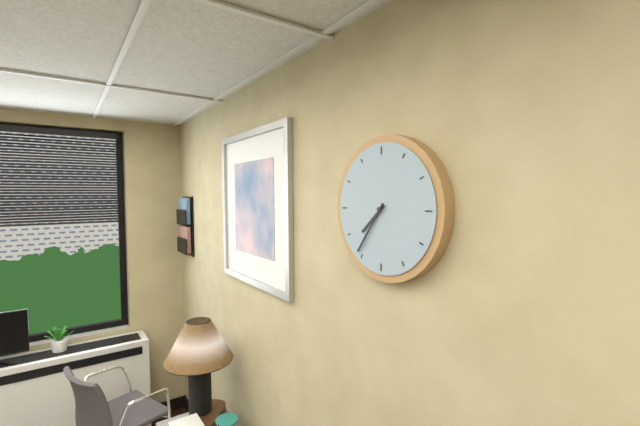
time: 7:36
